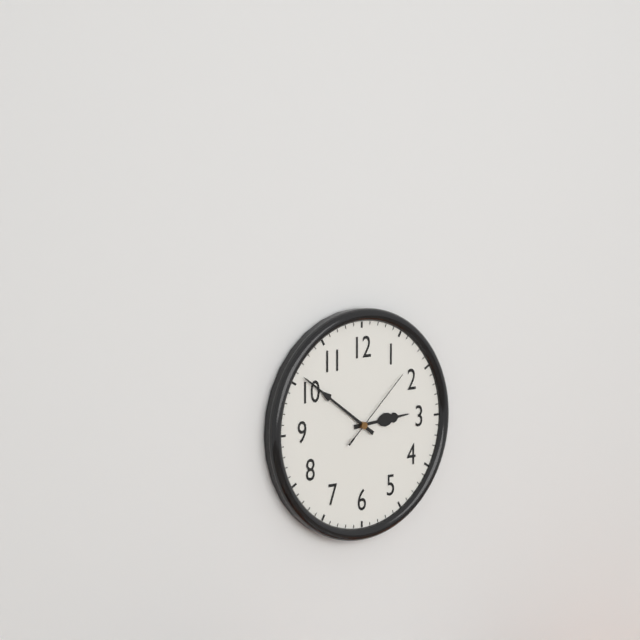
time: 2:51:08
